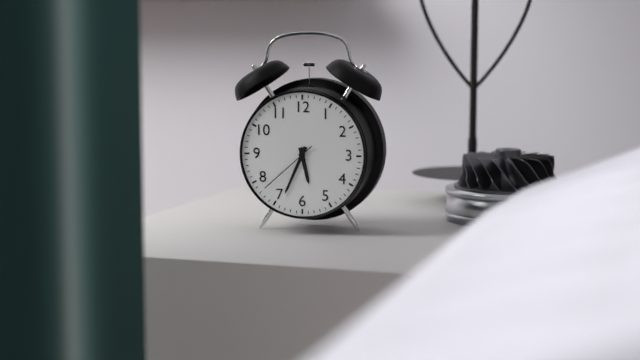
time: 5:34:38
